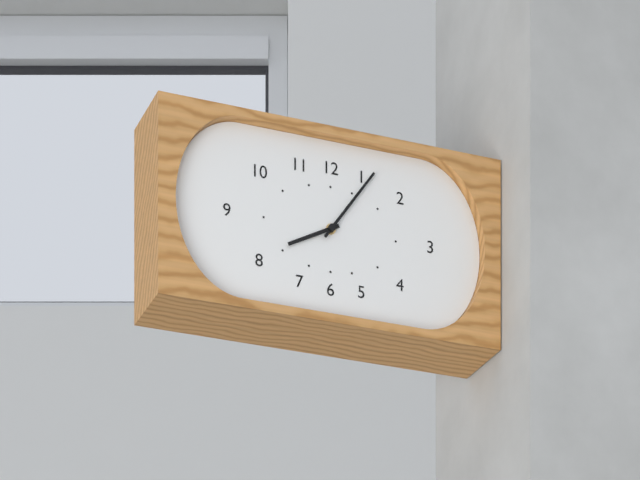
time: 8:06
